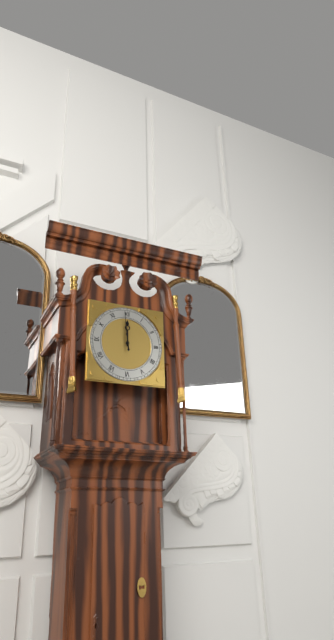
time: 11:59
